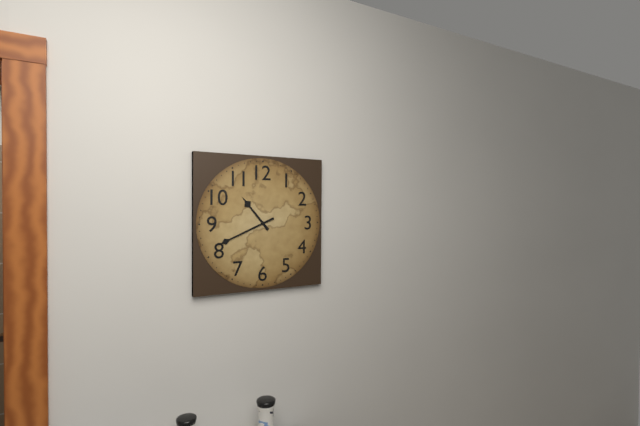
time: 10:41
